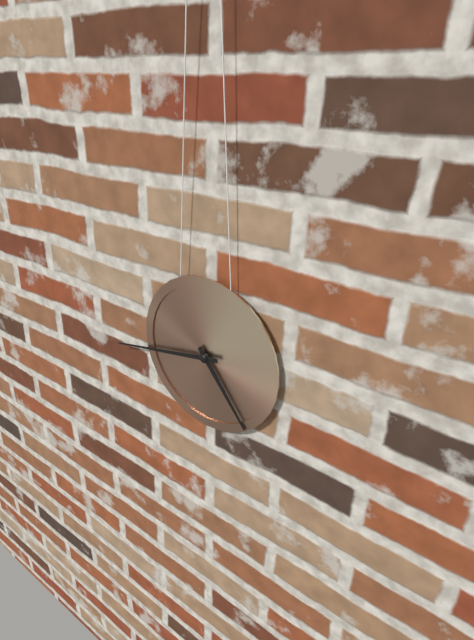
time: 4:43
